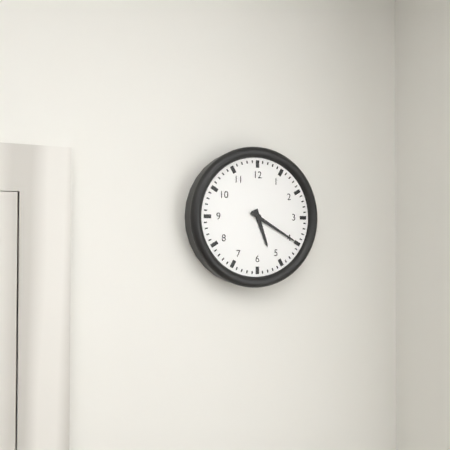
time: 5:20
